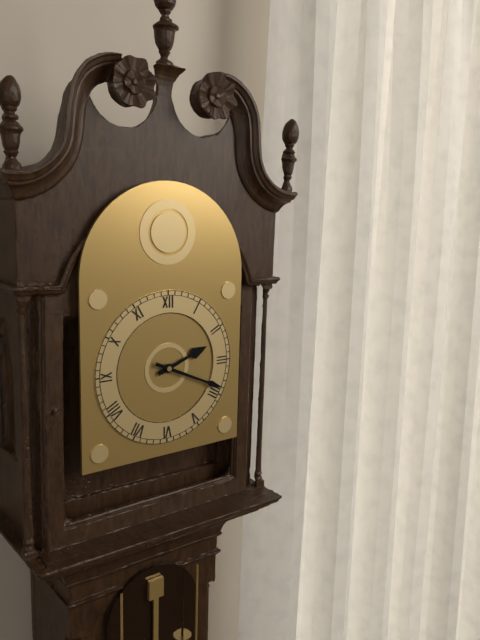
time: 2:19
